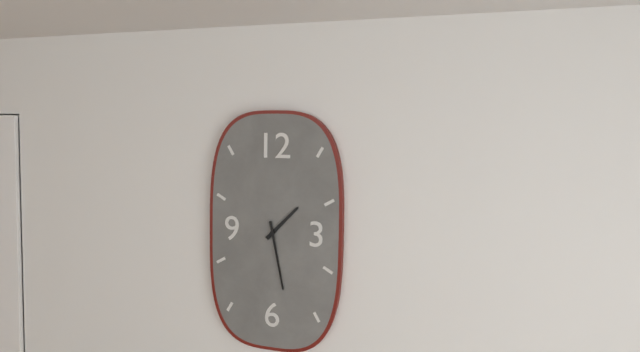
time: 1:28
